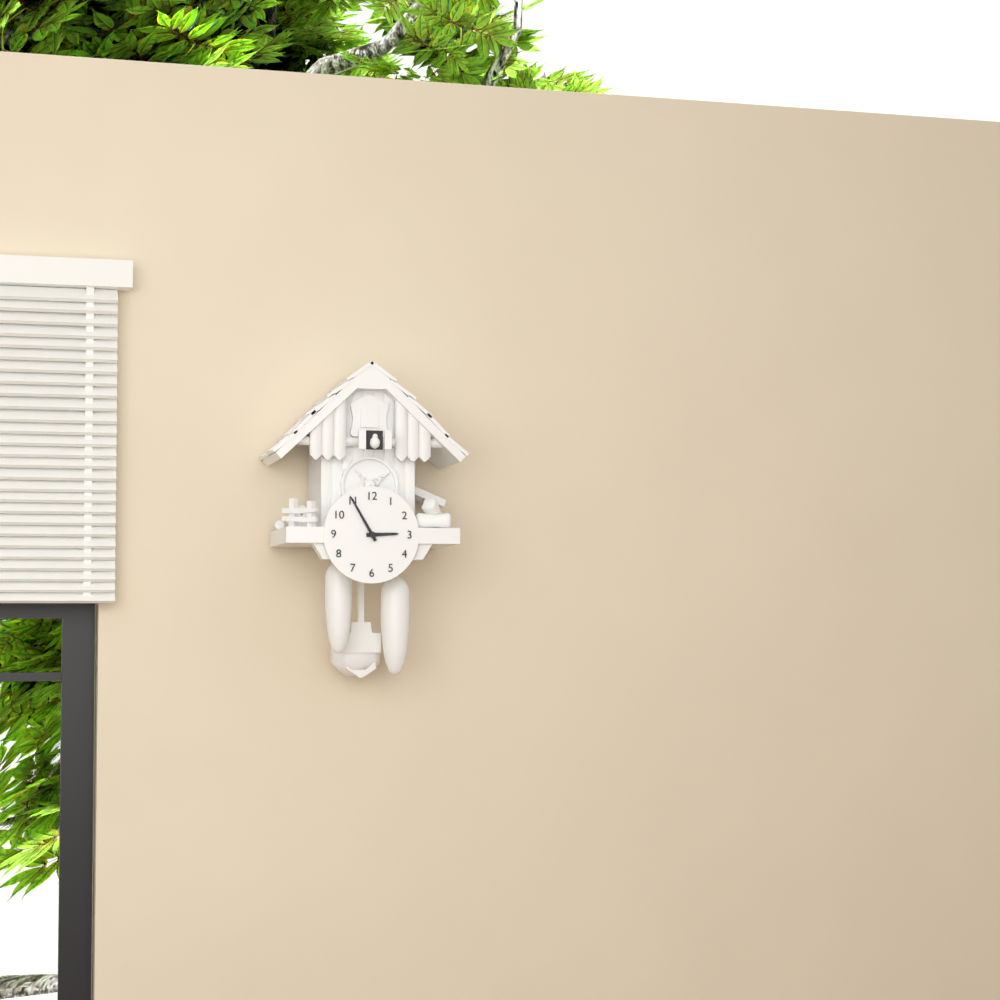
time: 2:55
